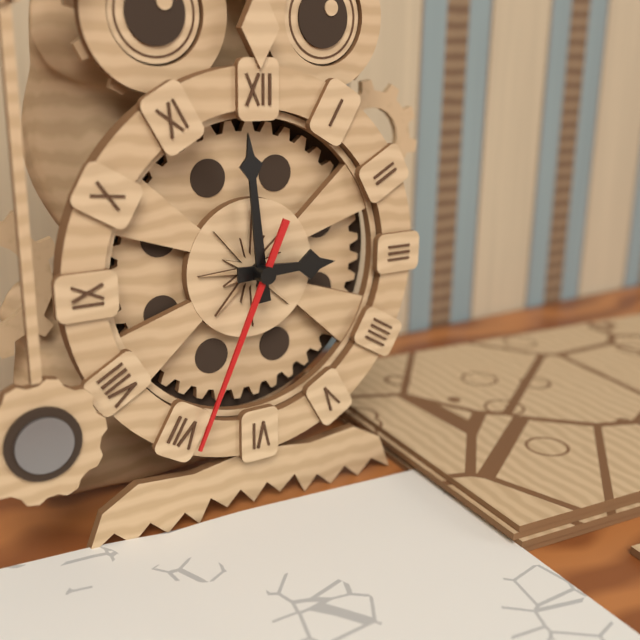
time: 2:59:34
